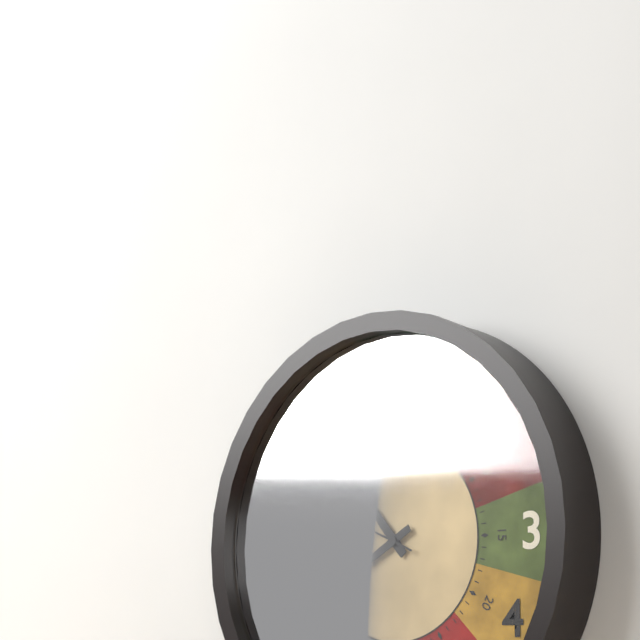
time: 10:40:49
